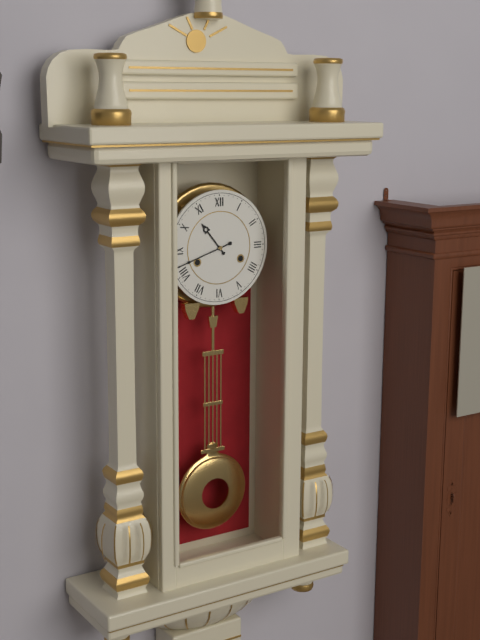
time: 10:42
